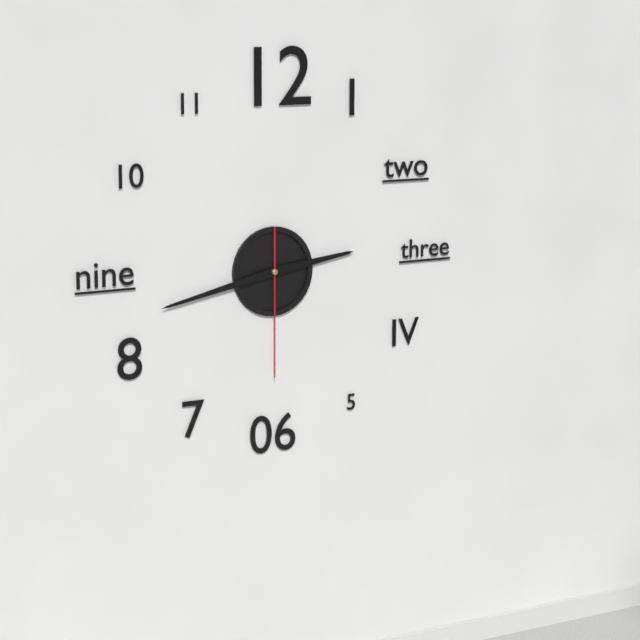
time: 2:43:30
